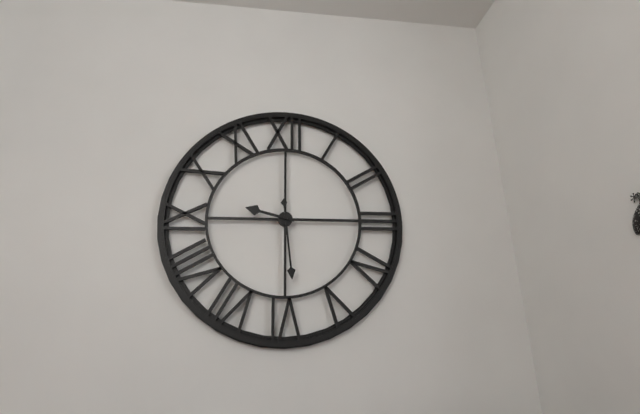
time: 9:29
